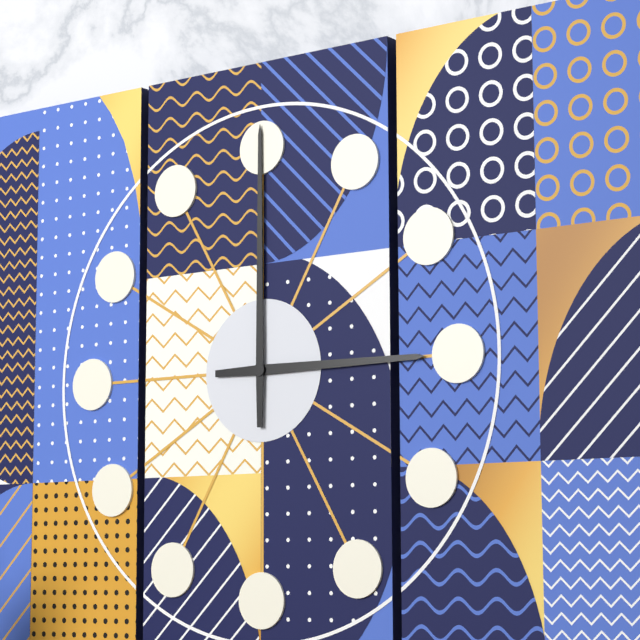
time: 3:00
